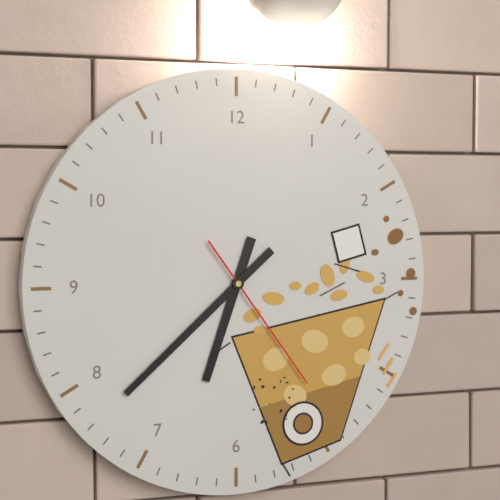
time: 6:38:24
